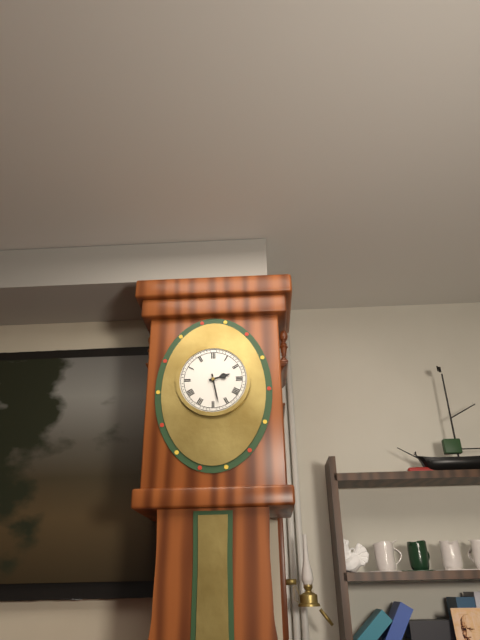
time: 2:28
